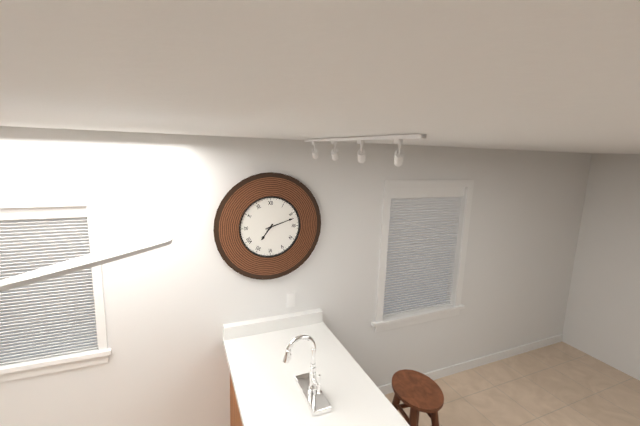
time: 7:12
